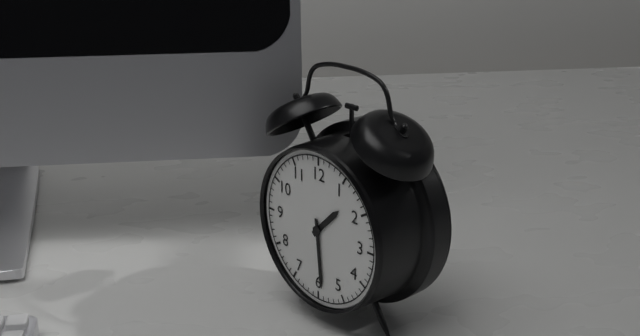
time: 1:29
